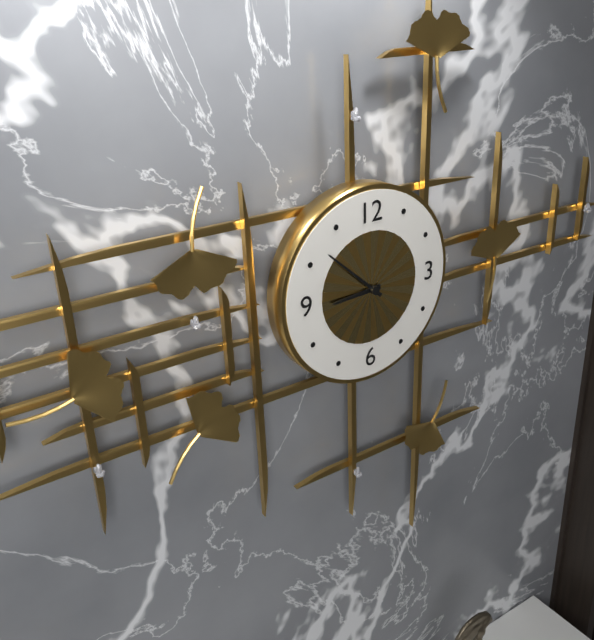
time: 8:52
